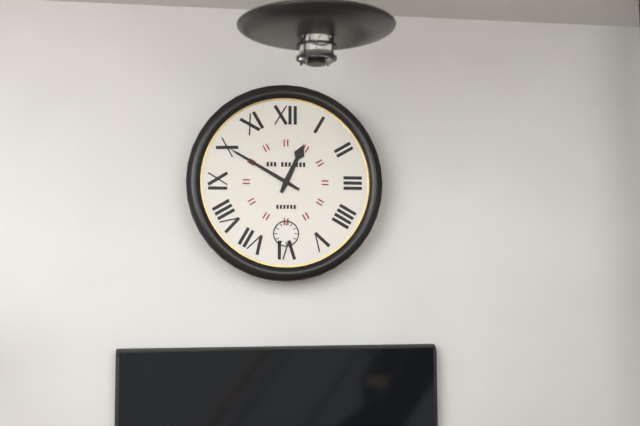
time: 12:50
